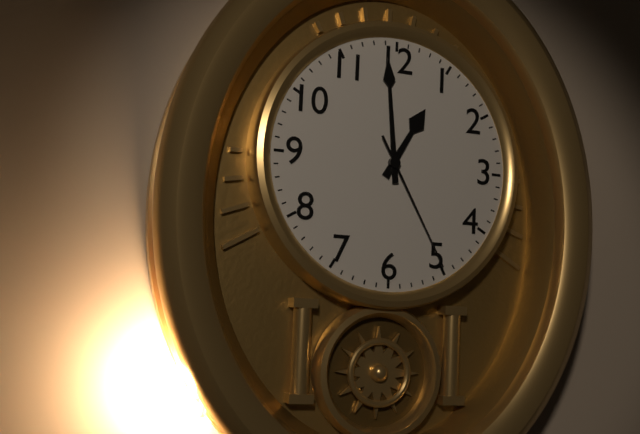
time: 12:59:25
